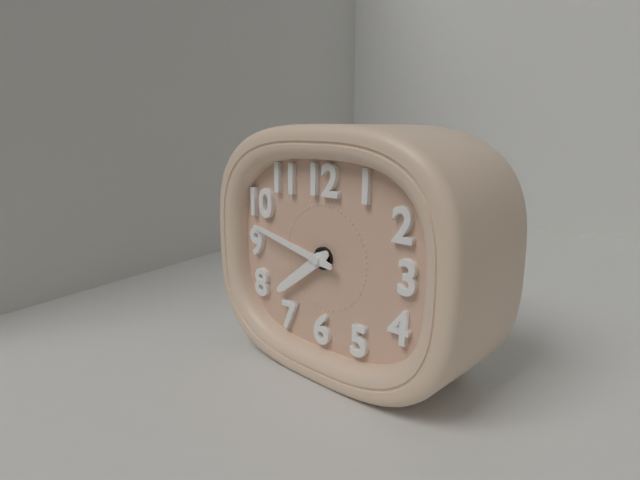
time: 7:47
